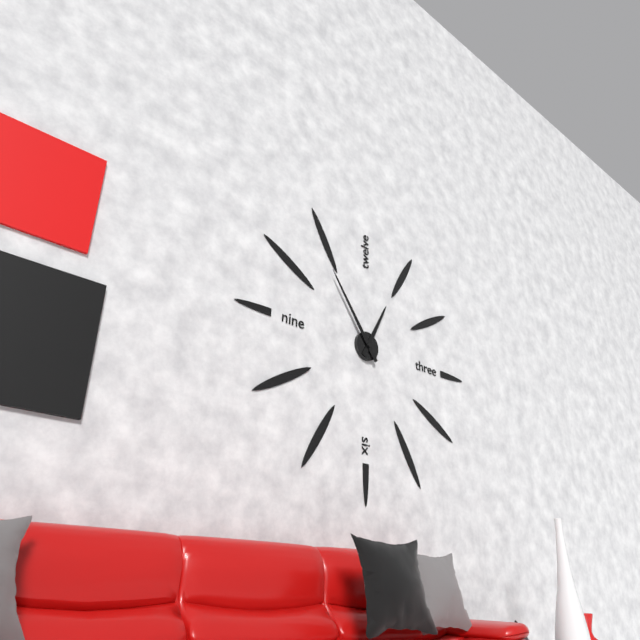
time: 12:54
